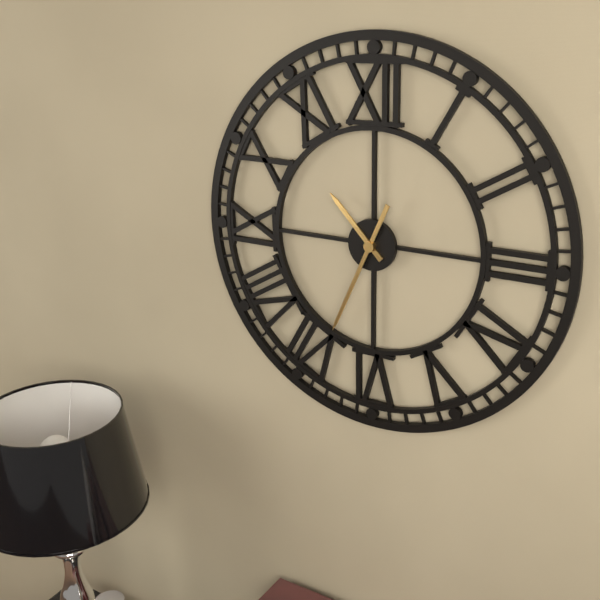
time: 10:34
